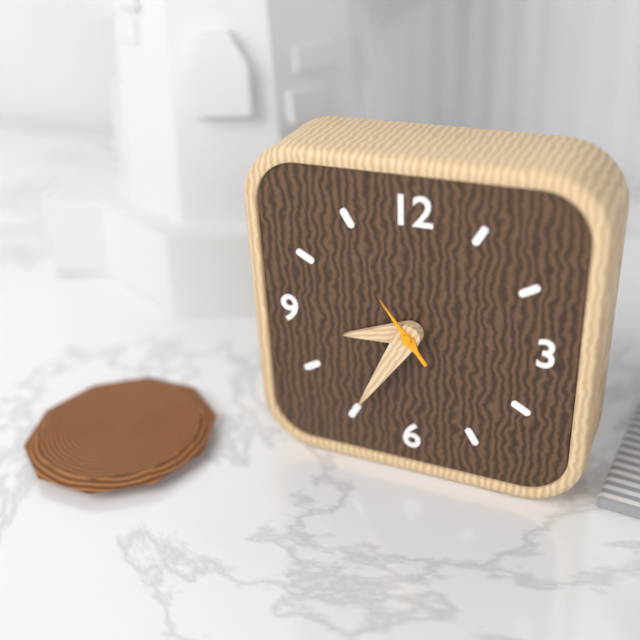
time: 8:35:54
